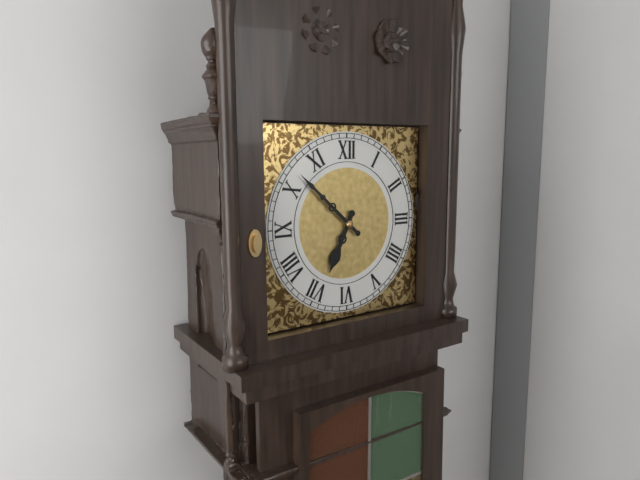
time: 6:52
